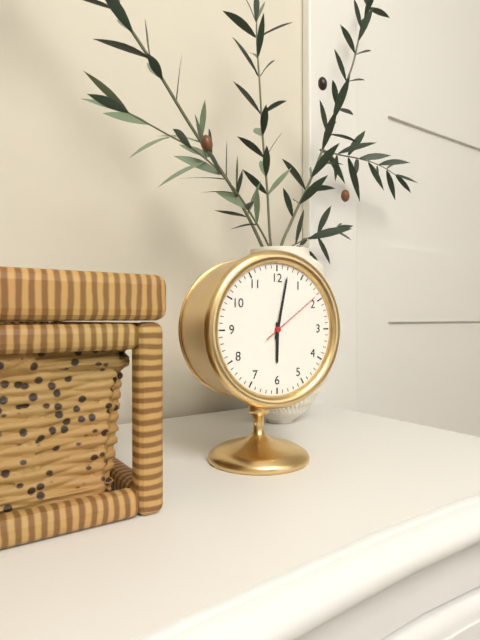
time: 6:02:09
